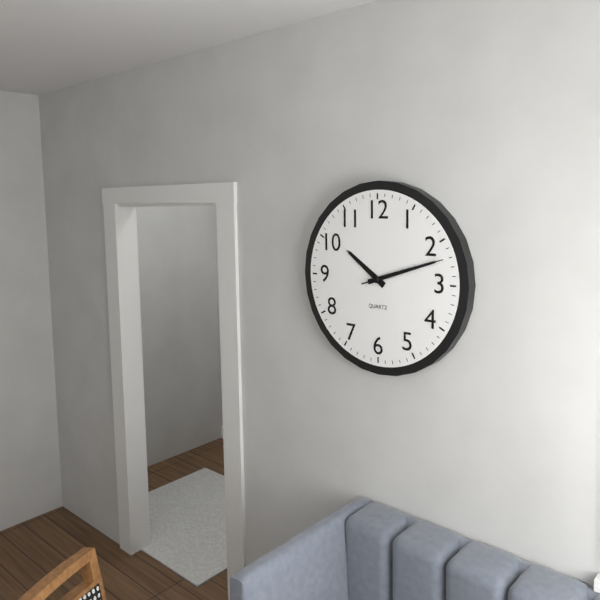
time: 10:12:12
